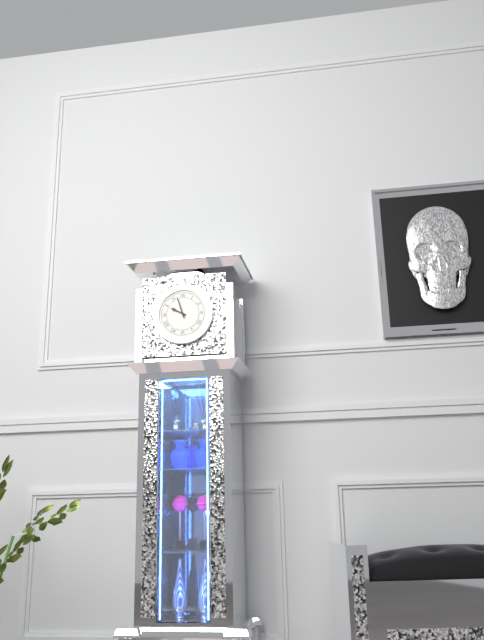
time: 9:57
